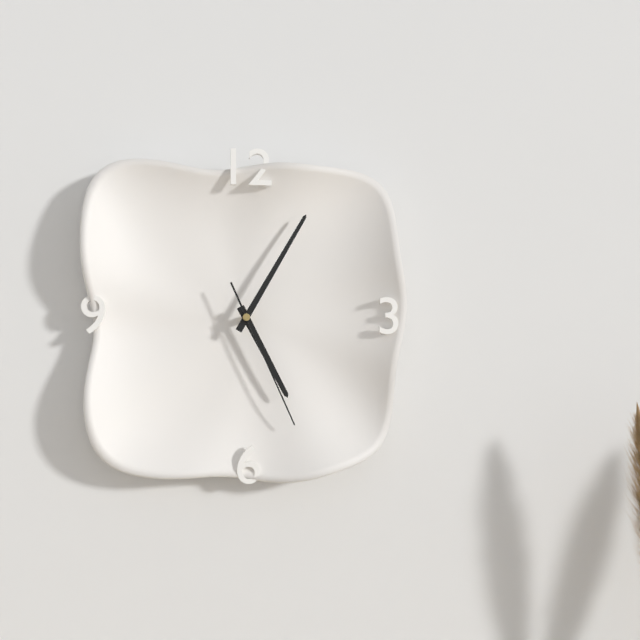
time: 5:05:26
